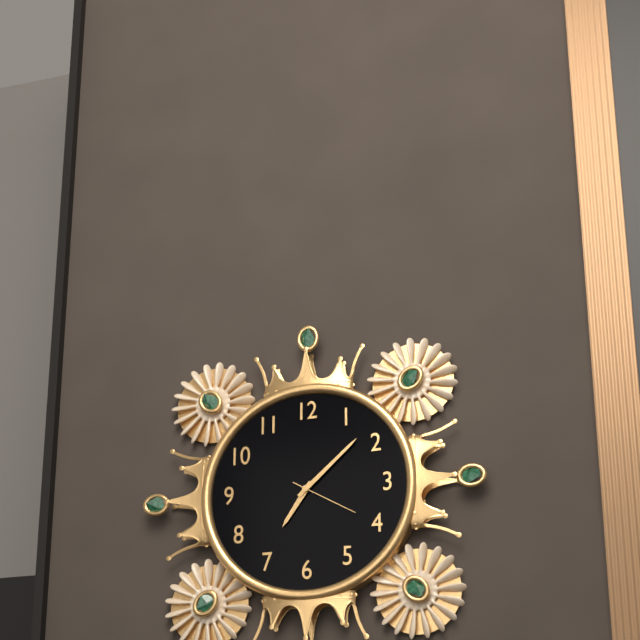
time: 7:08:20
